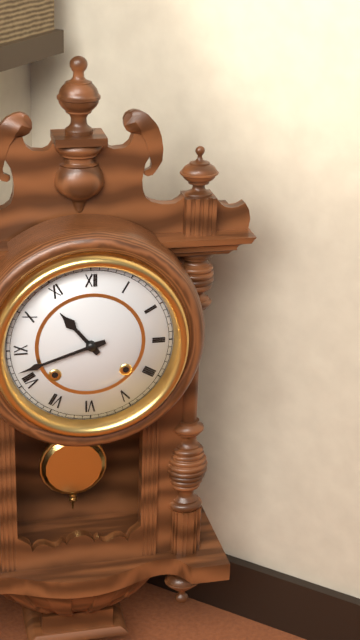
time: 10:42
